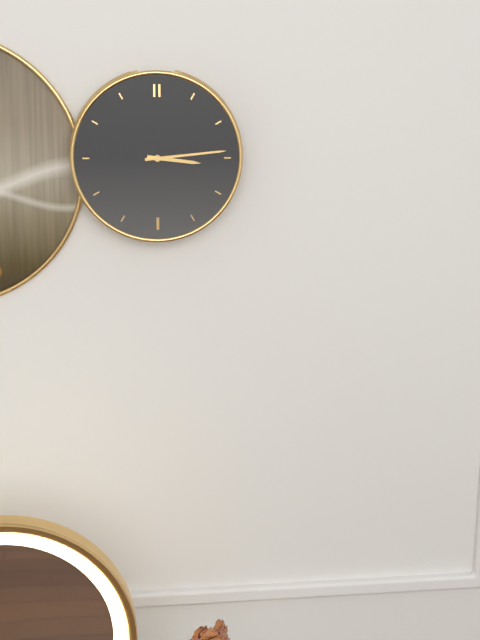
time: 3:14
